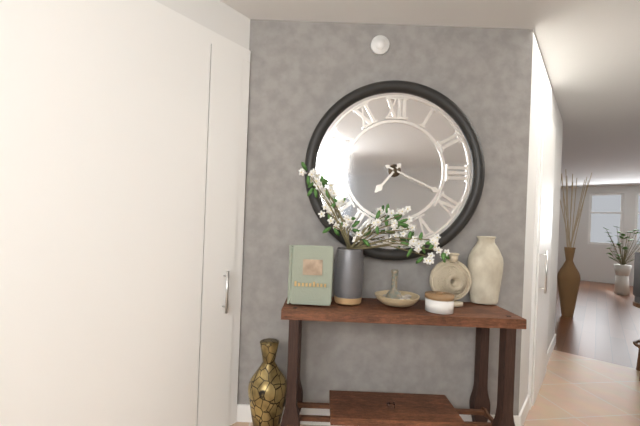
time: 7:19
